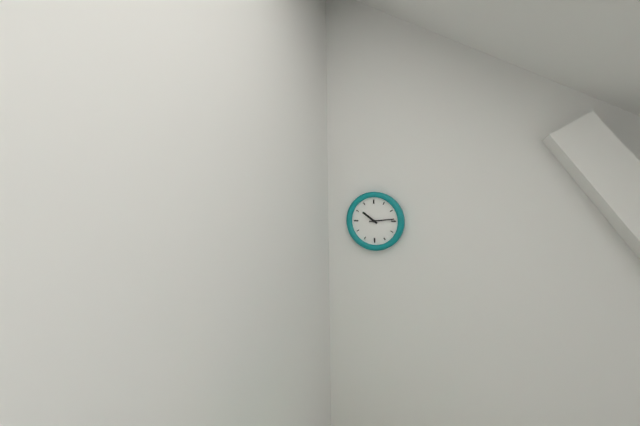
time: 10:14
